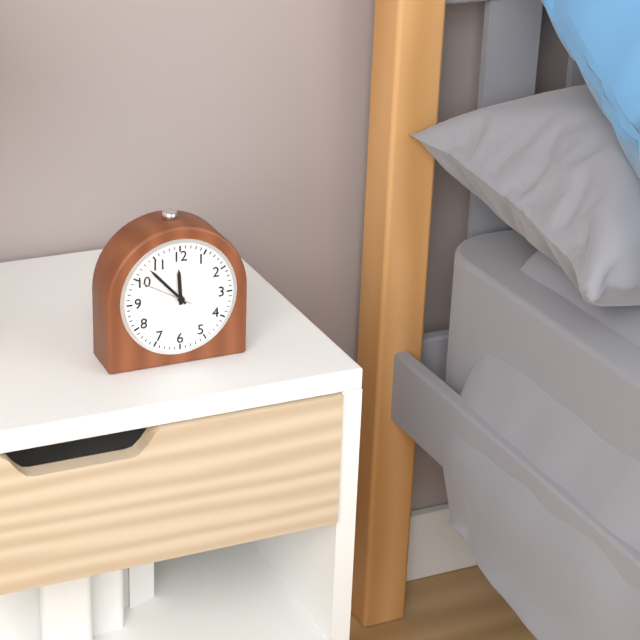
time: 11:53:50
